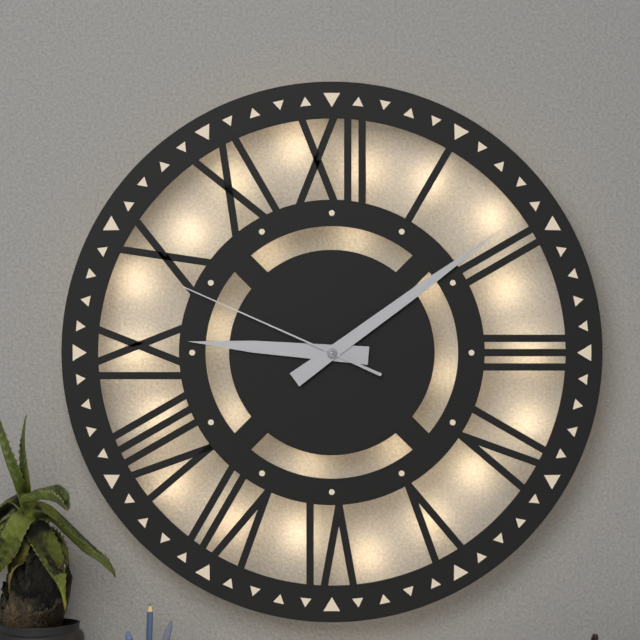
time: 9:09:49
